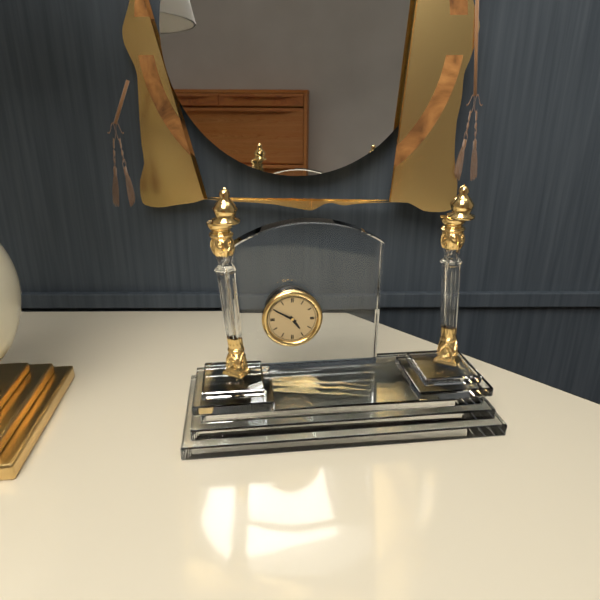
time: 4:50
